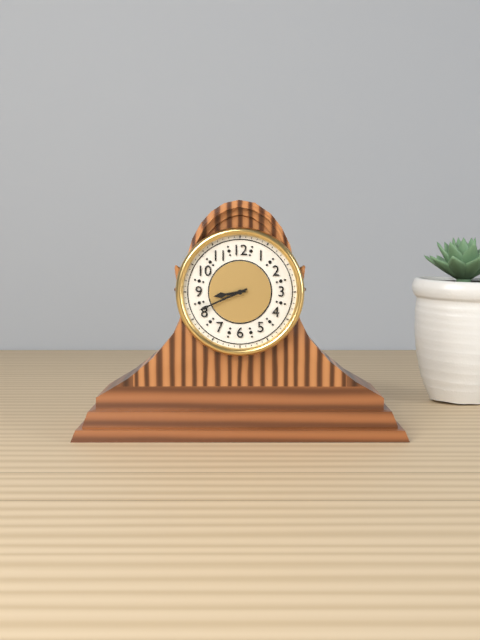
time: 8:41
